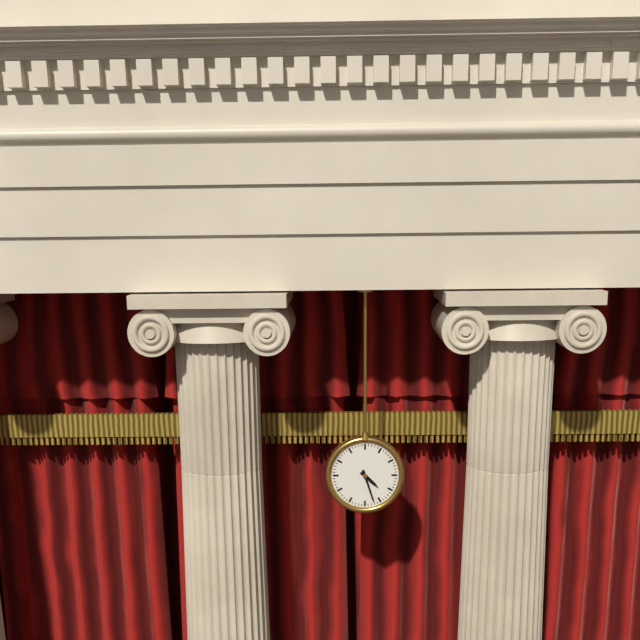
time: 4:27
